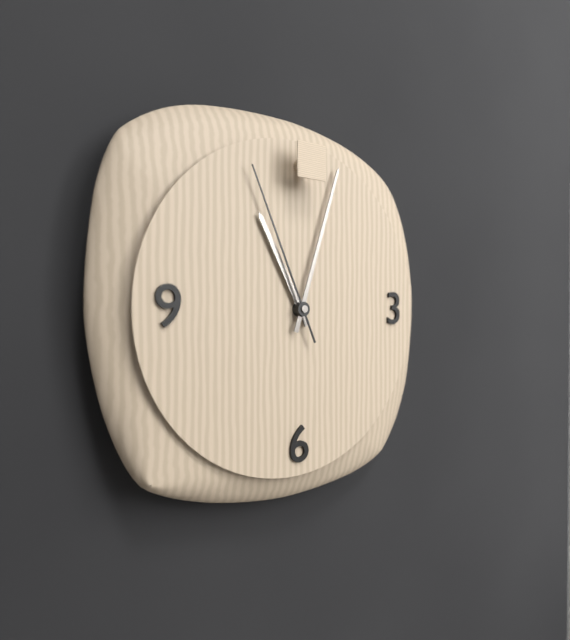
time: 11:03:56
